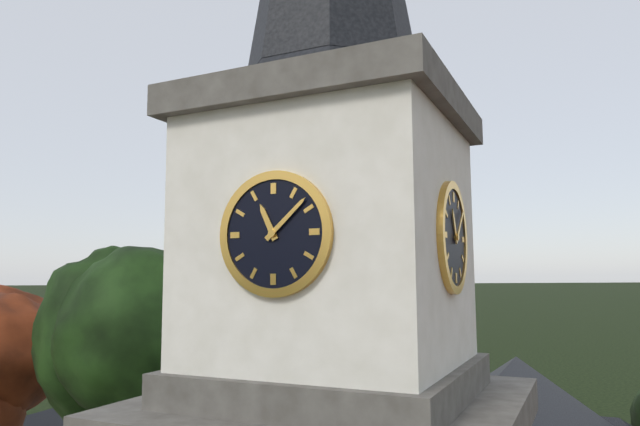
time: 11:08
